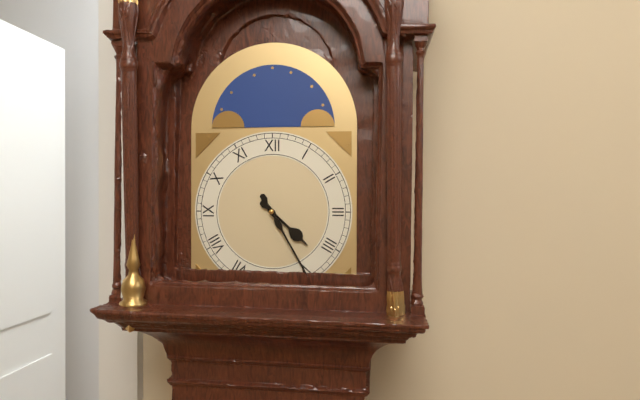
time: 4:25
